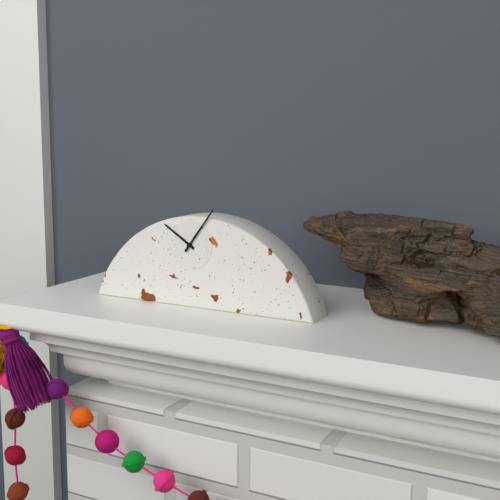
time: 10:06
